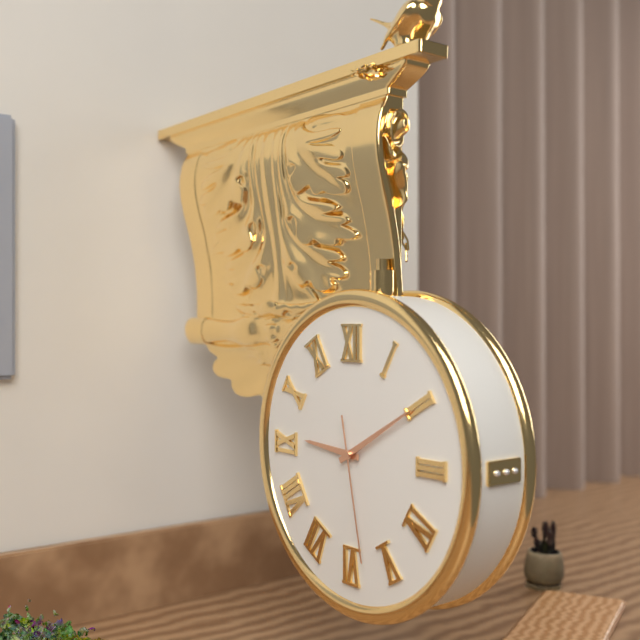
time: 9:10:28
